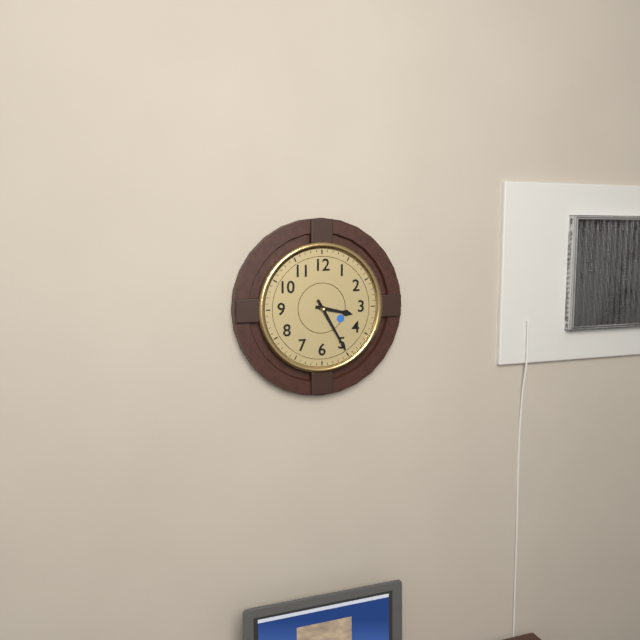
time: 3:25
